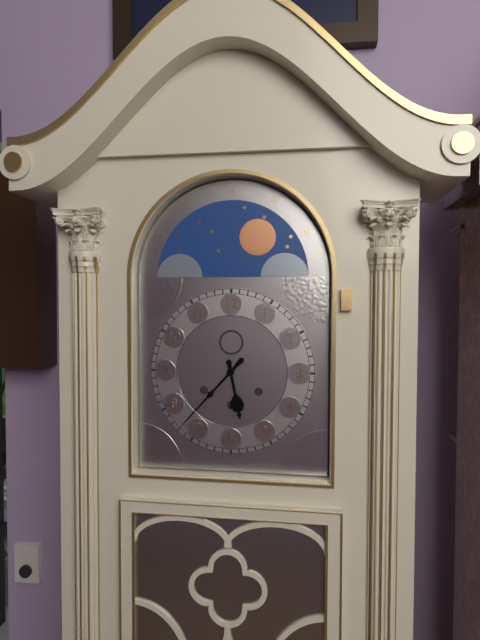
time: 5:37
